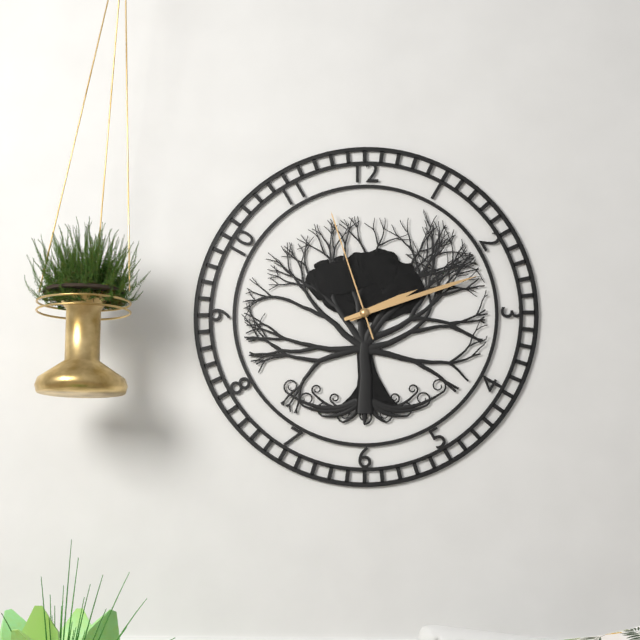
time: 2:12:57
